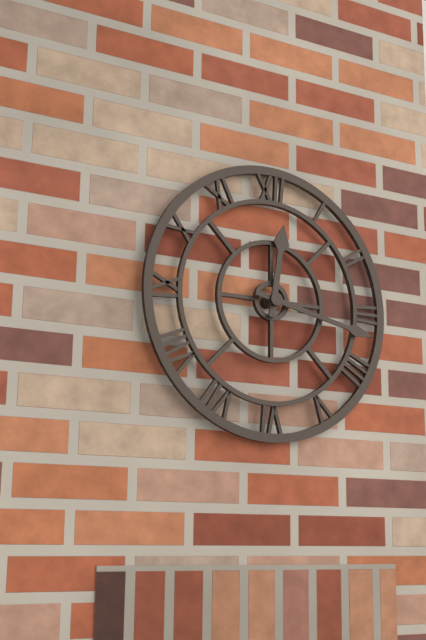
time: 12:17
